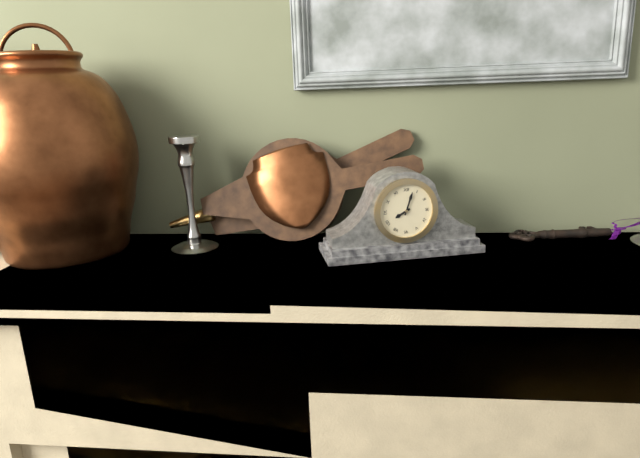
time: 8:03
